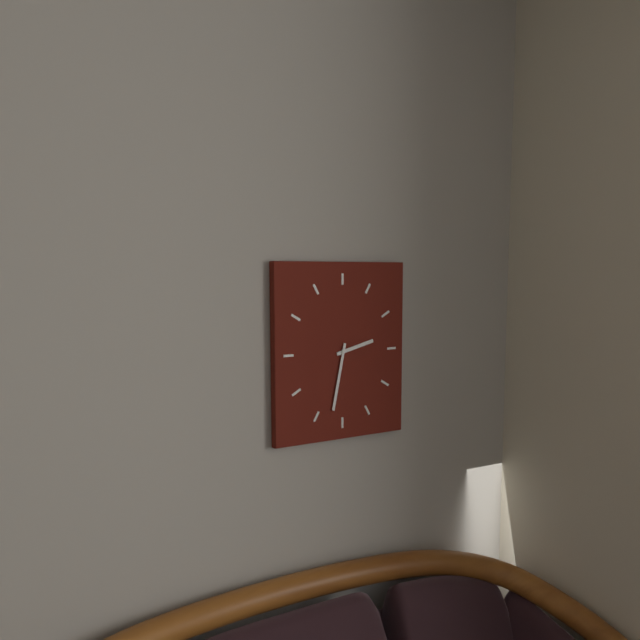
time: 2:32
